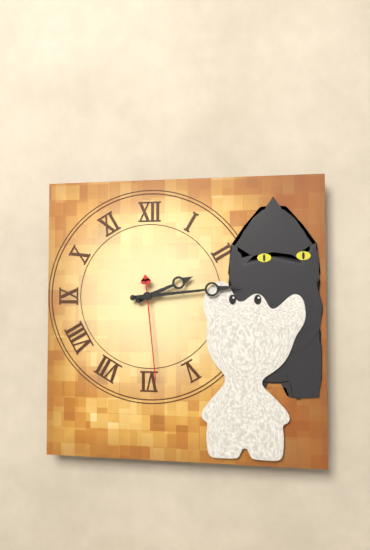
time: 2:14:29
